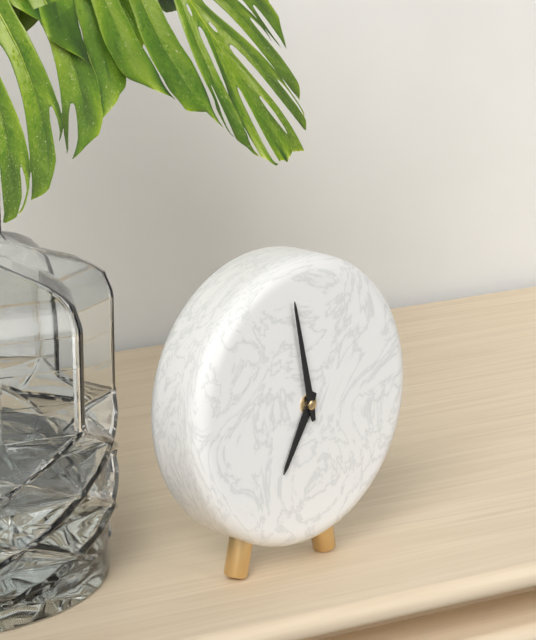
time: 6:58
